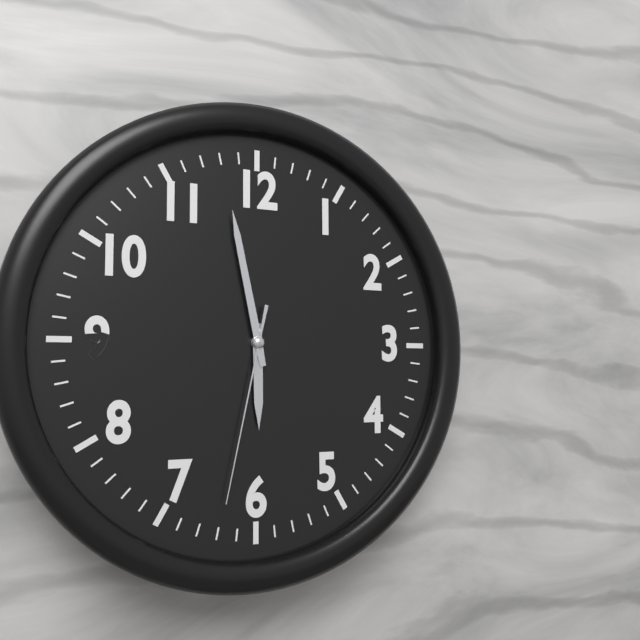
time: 5:58:32
